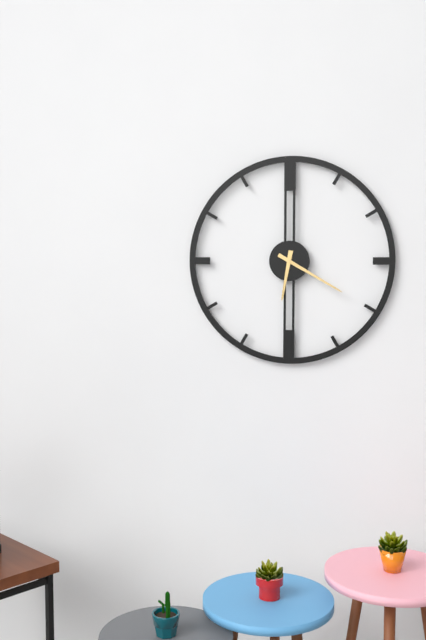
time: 6:20
